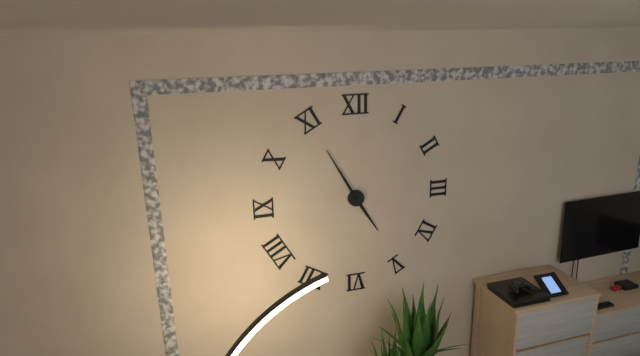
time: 4:55
